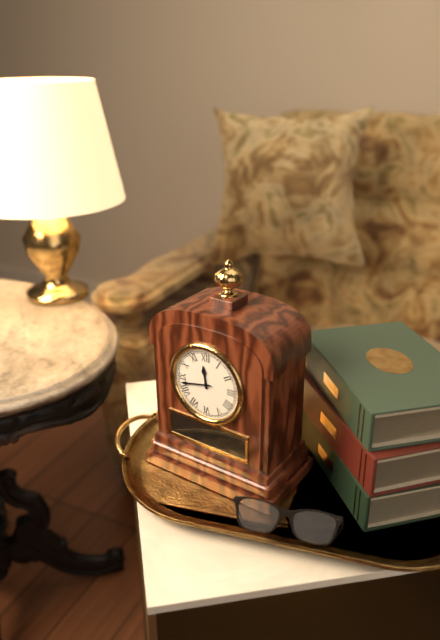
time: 11:43
